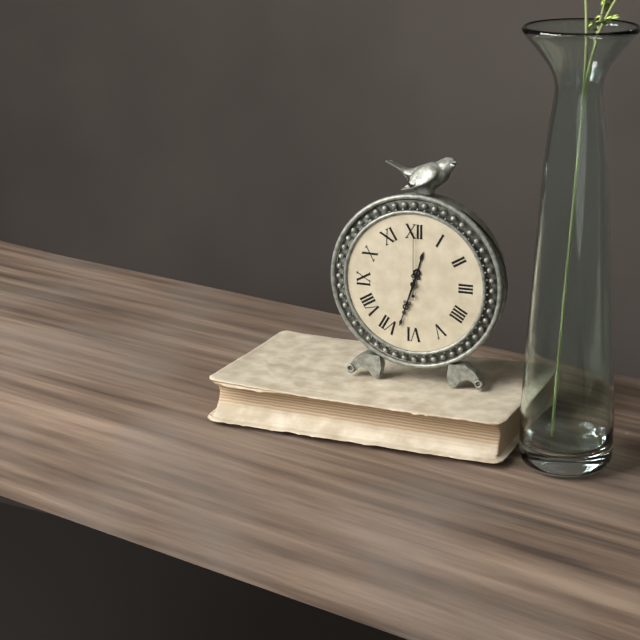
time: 12:33:00
